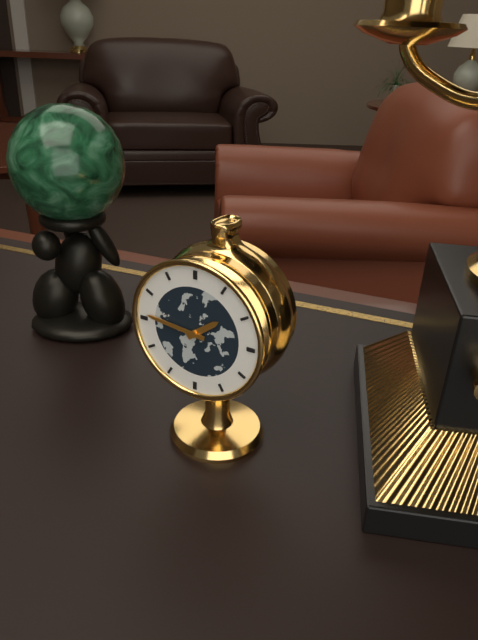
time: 1:46
